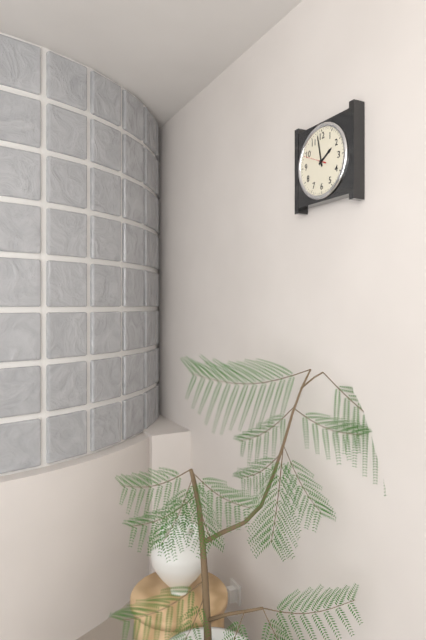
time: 1:58
